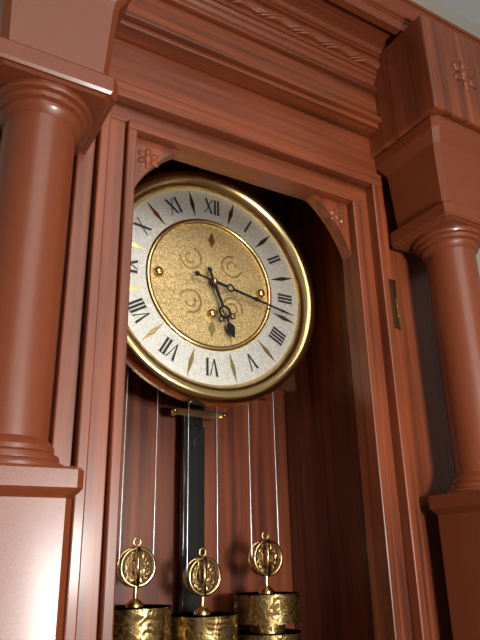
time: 5:17
